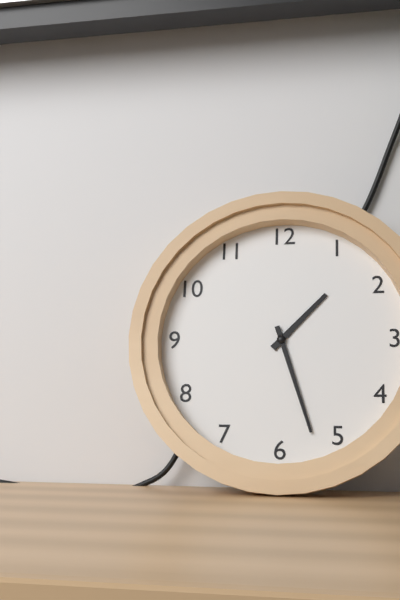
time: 1:27
